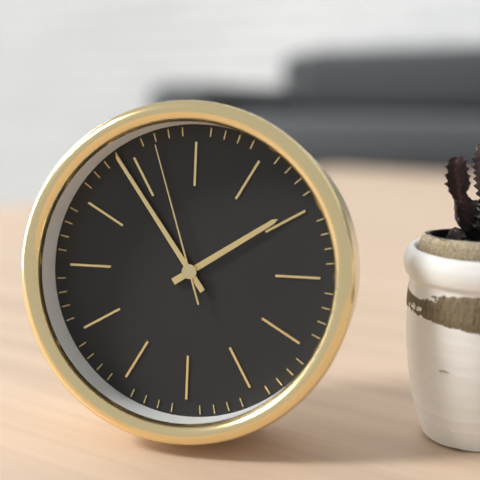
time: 1:54:57
